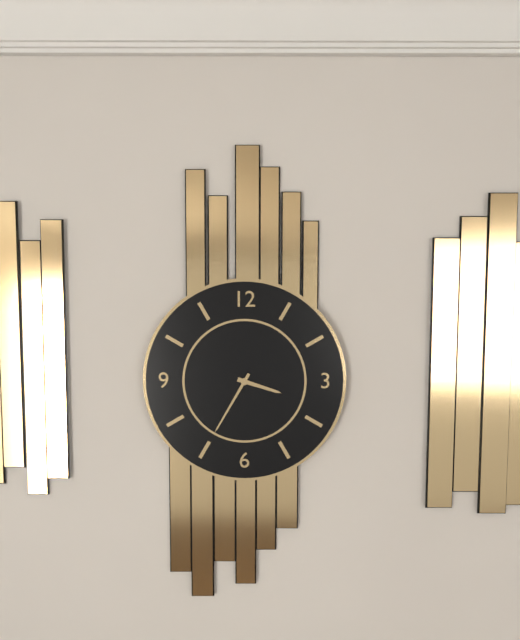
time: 3:35
